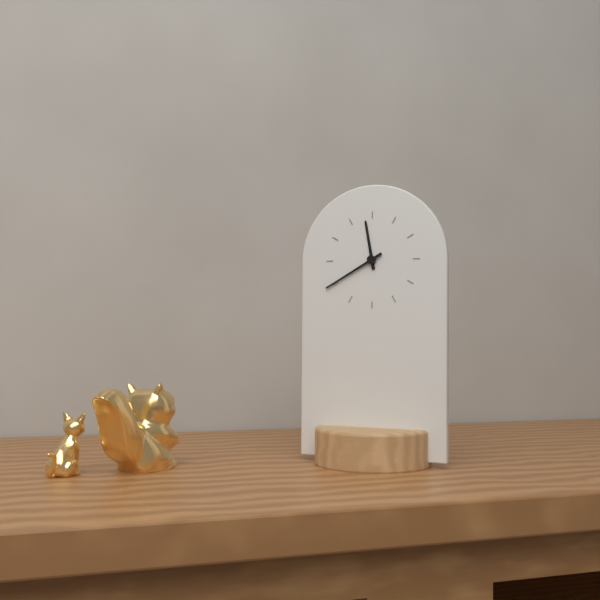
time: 11:40
